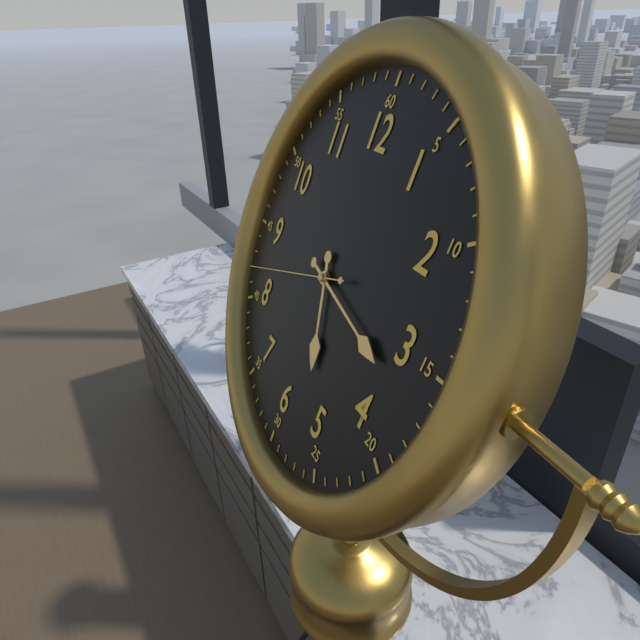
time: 5:17:42
